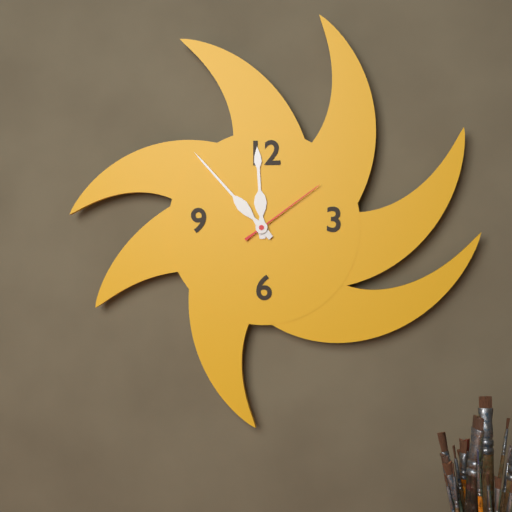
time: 11:53:09
